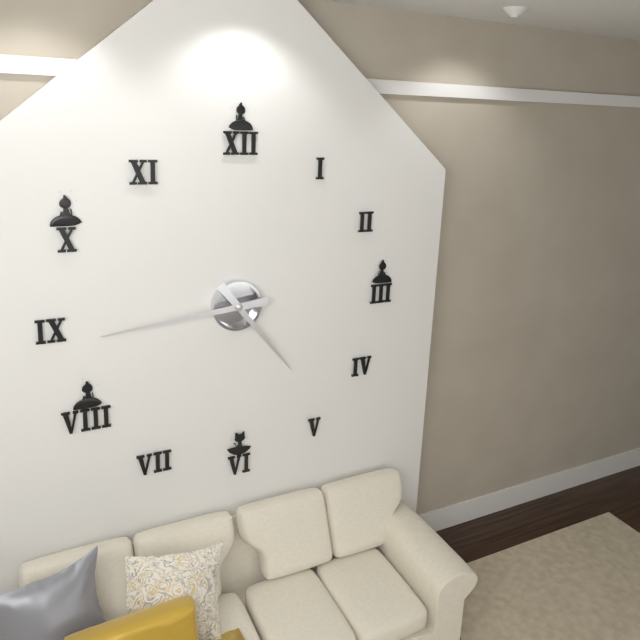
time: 4:44
